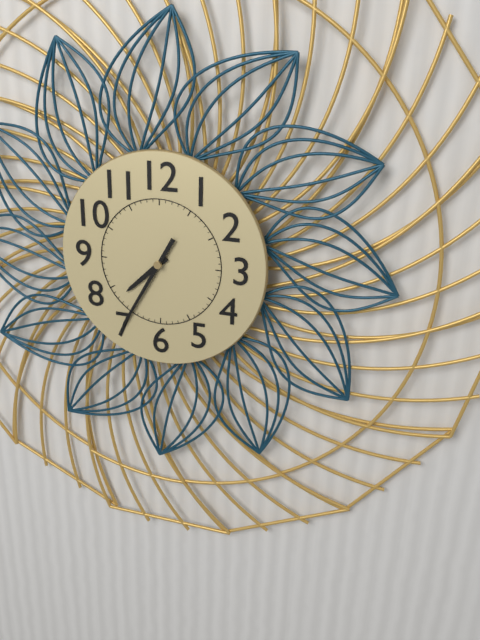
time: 7:35
